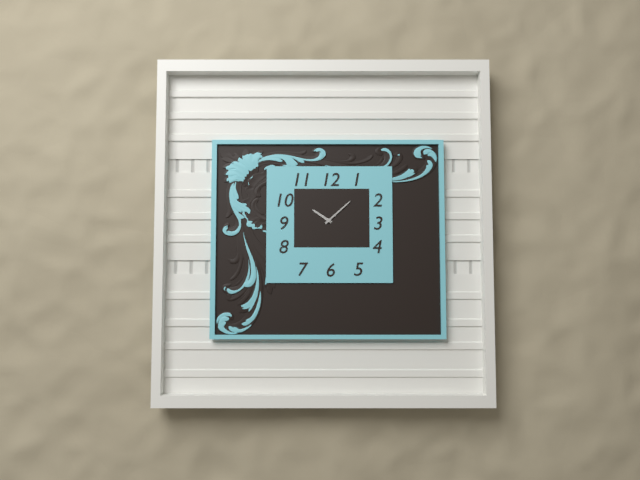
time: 10:08
